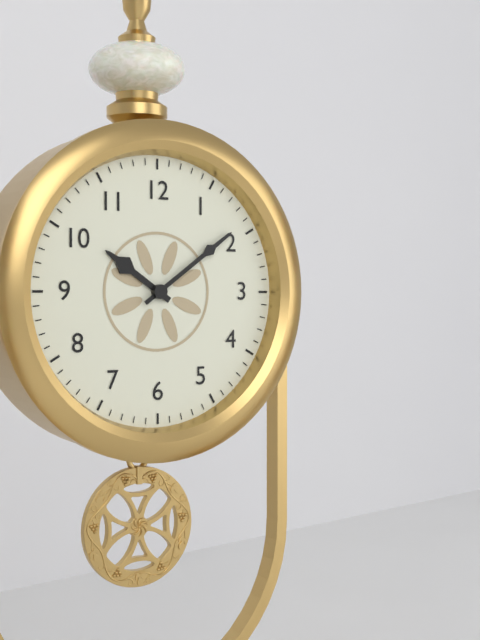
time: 10:09
